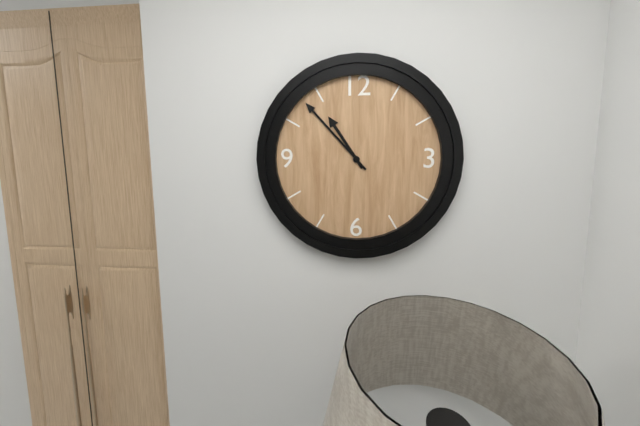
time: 10:53
